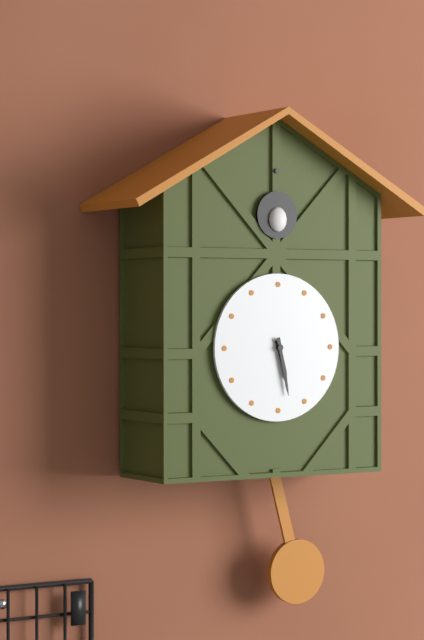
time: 5:28
